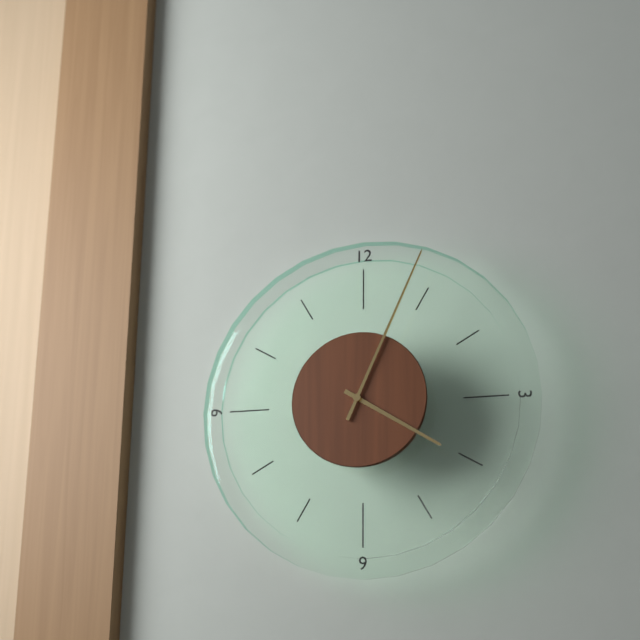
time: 4:04
